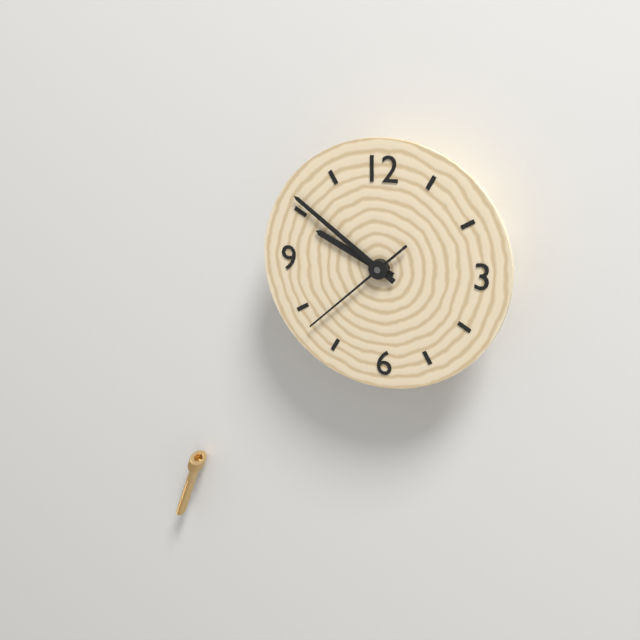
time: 9:51:38
